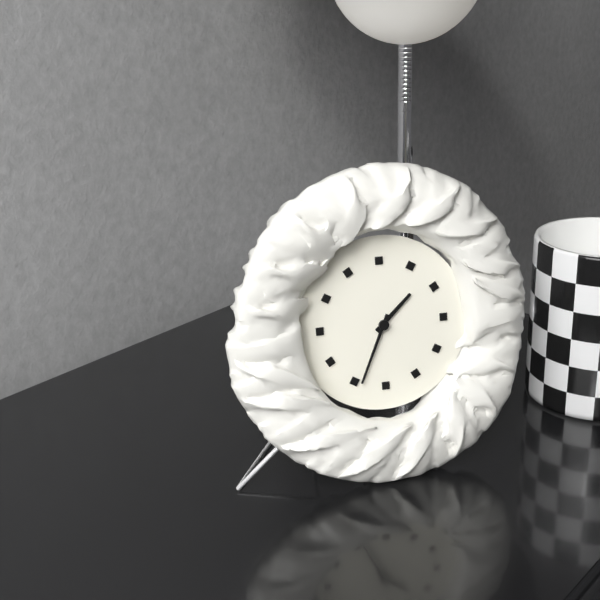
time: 1:34
